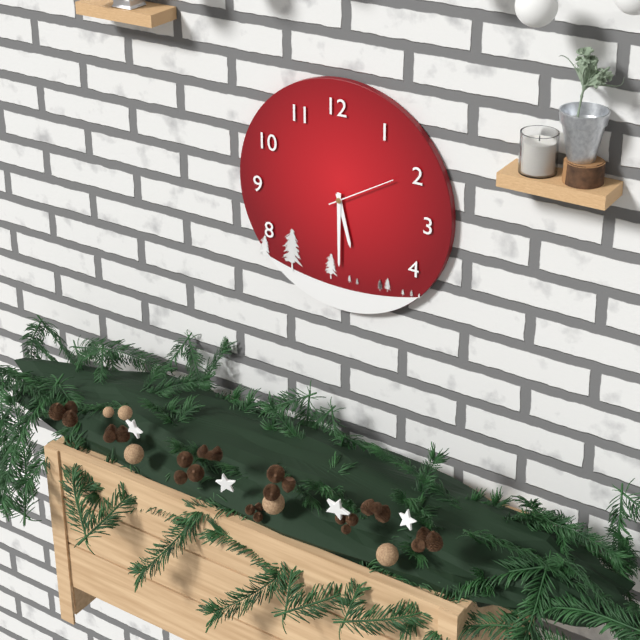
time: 5:30:10
